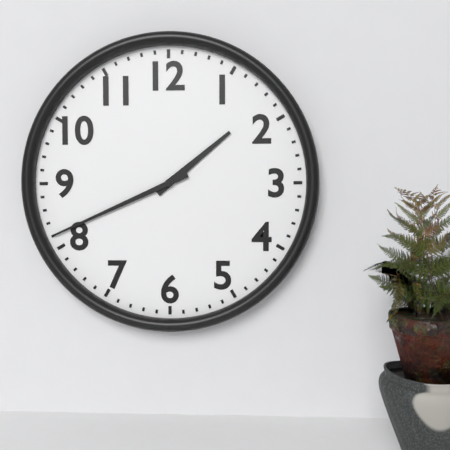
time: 1:41
